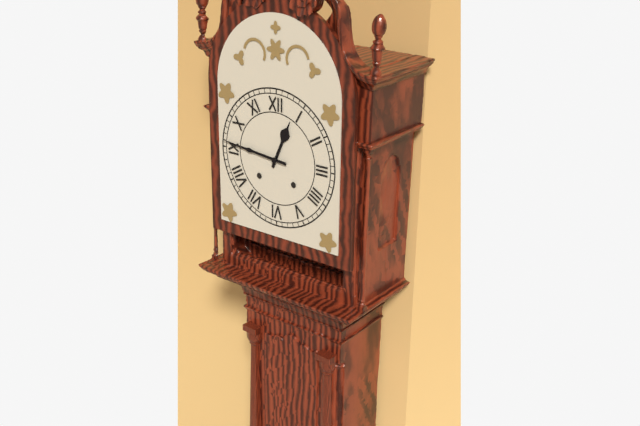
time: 12:46
